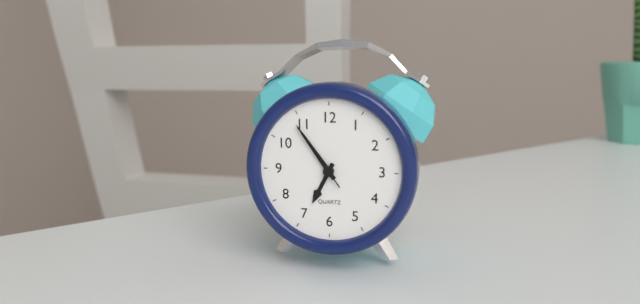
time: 6:54:54
